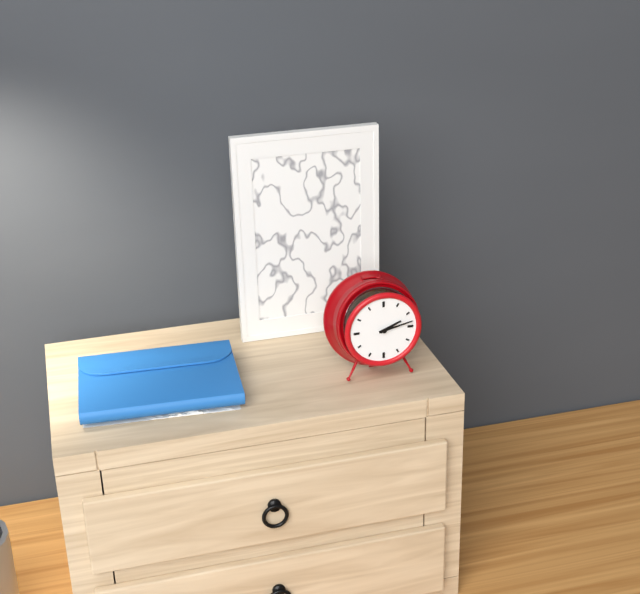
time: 2:13
